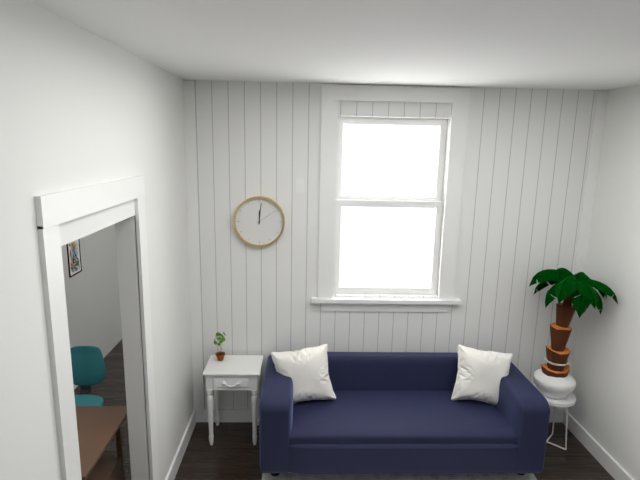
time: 12:01
